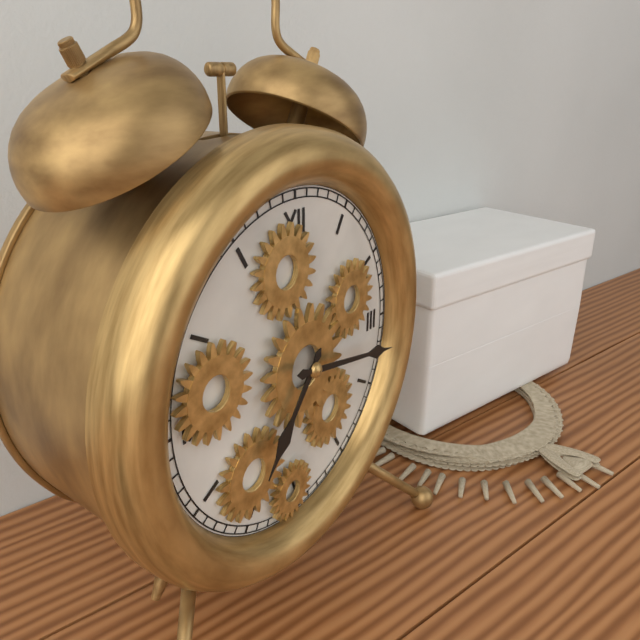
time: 7:17
